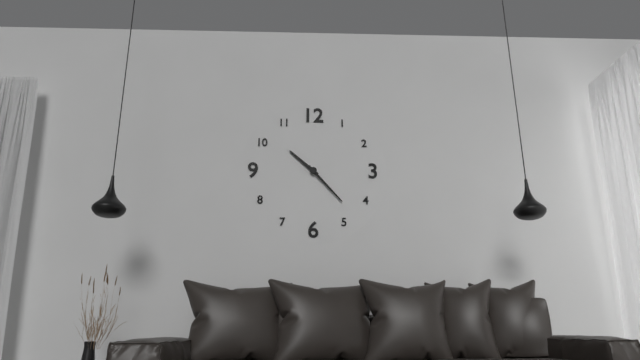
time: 10:23
